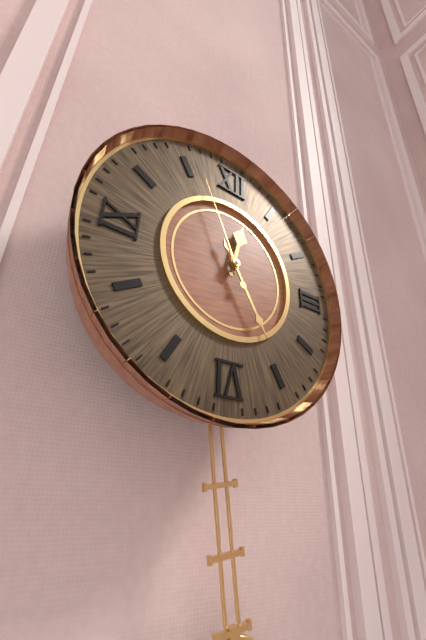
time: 12:25:56
